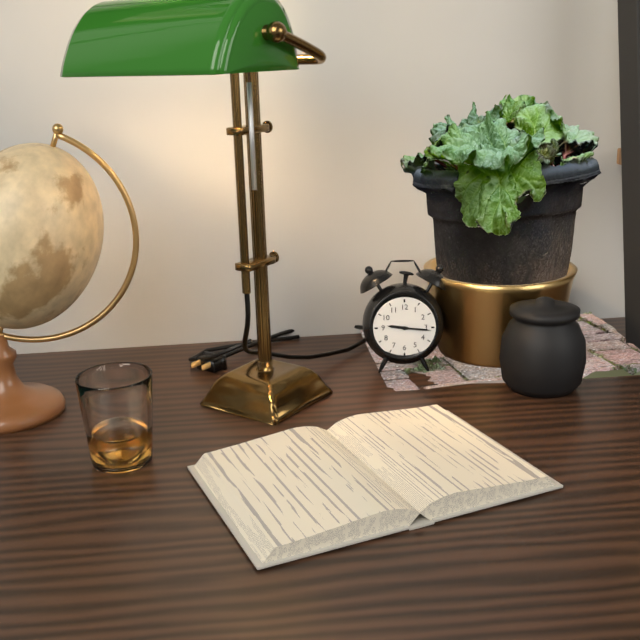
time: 9:16
